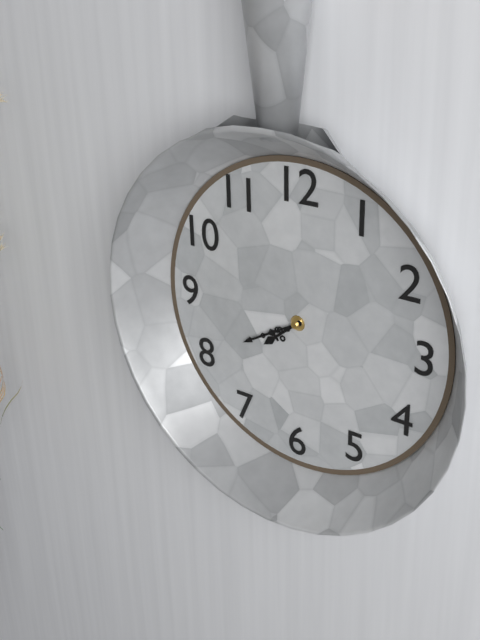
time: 7:40
